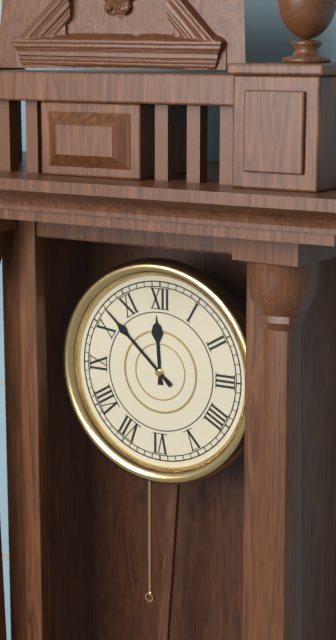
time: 11:52
